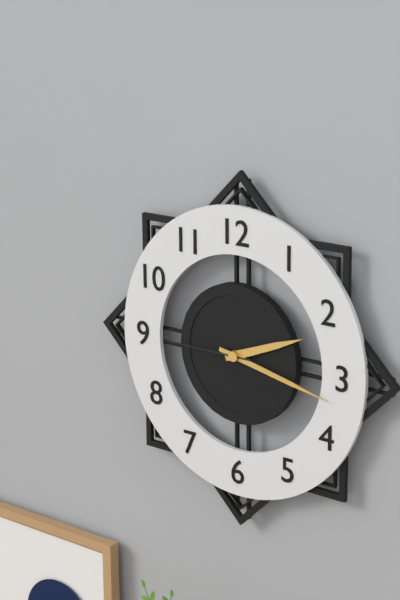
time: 2:17:45
